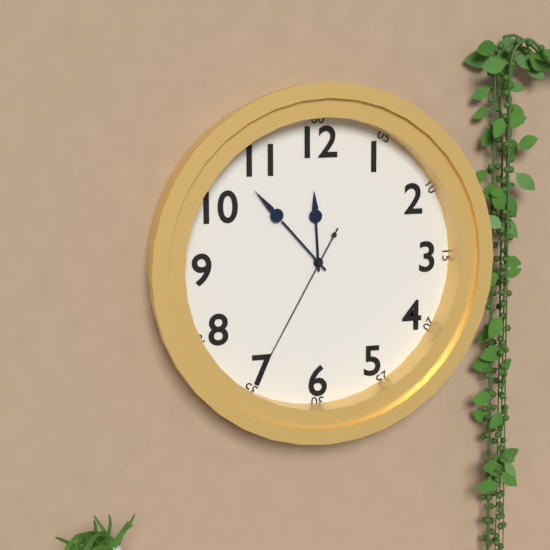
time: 11:53:35
